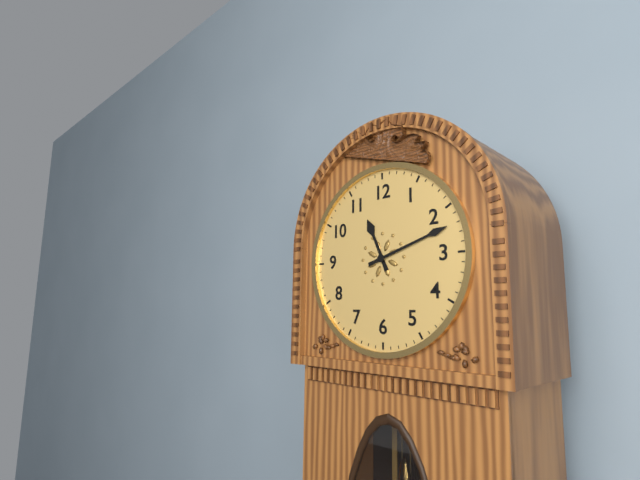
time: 11:12
